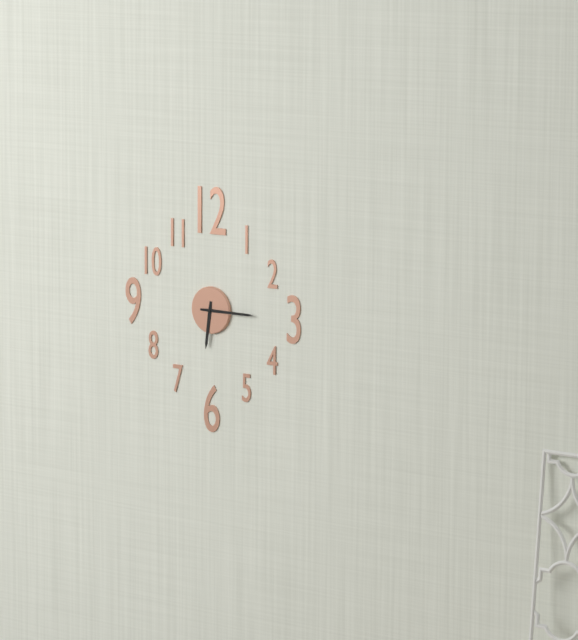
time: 6:15
